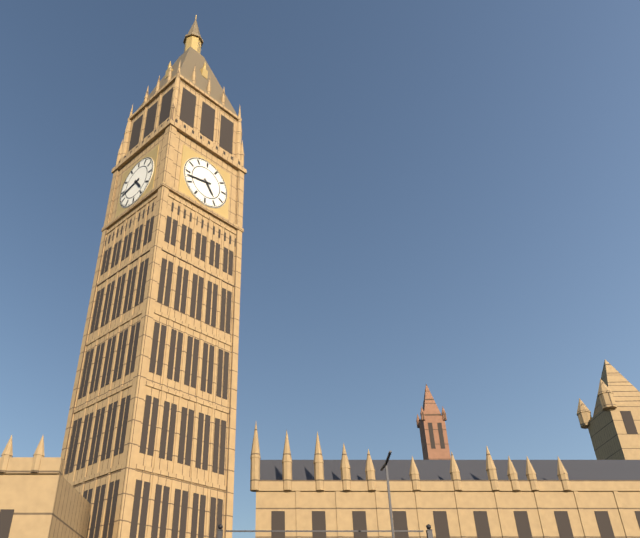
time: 4:43
